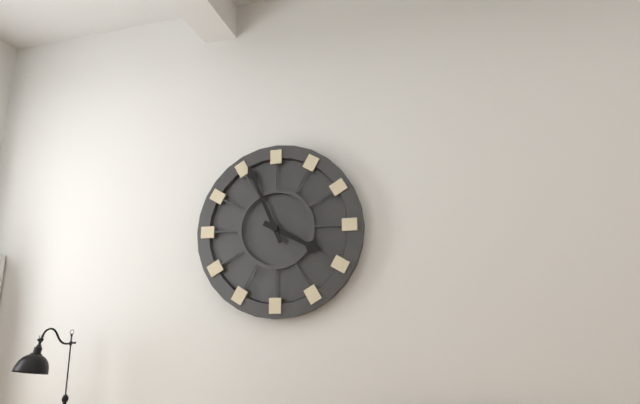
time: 3:56
